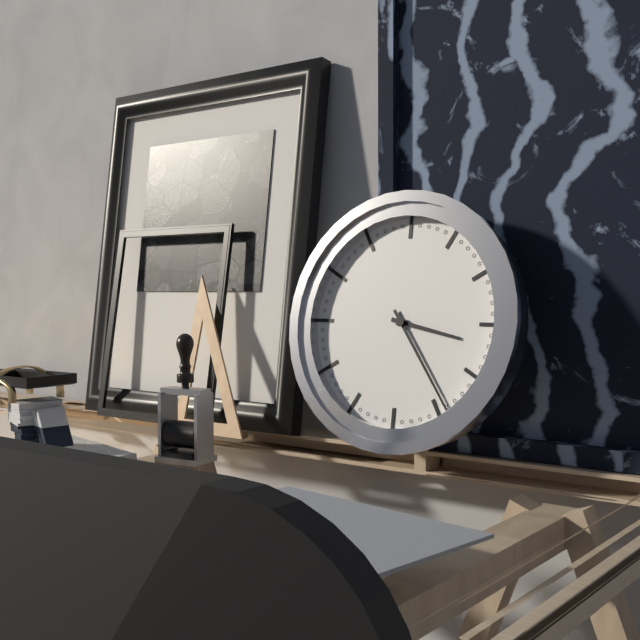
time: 3:24
